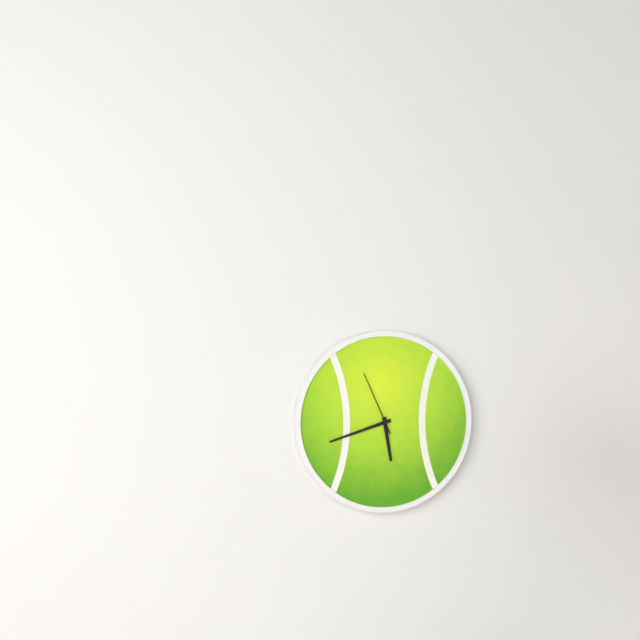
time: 5:42:56
